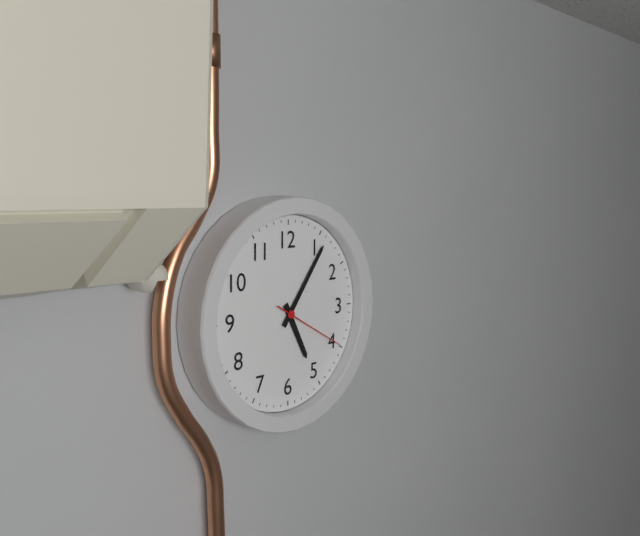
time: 5:06:20
